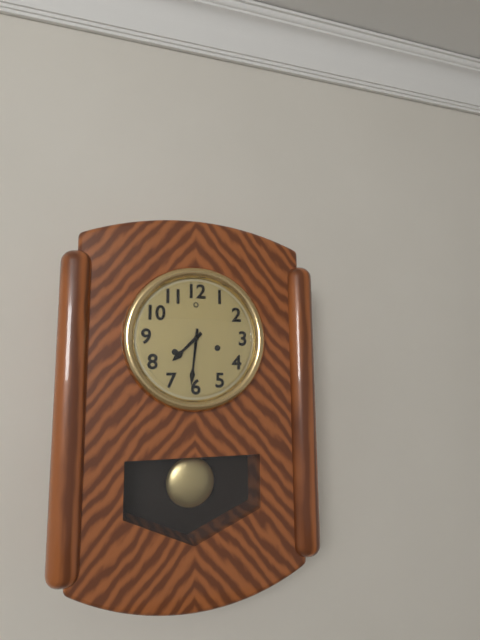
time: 7:31
